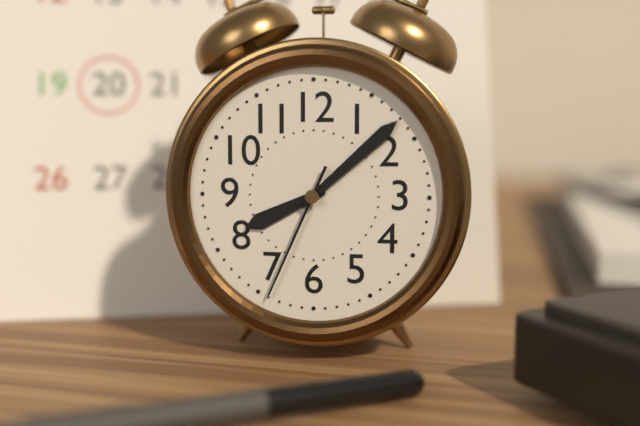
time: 8:08:34
